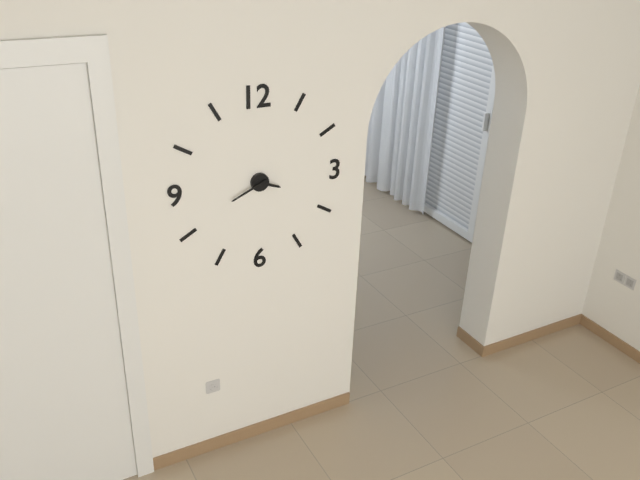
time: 3:41
